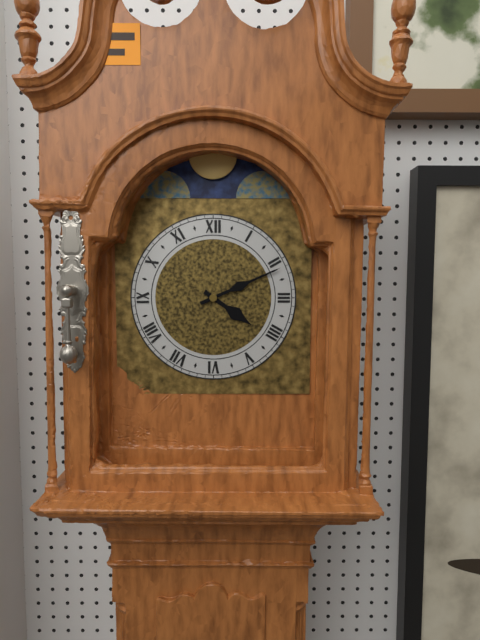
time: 4:11
